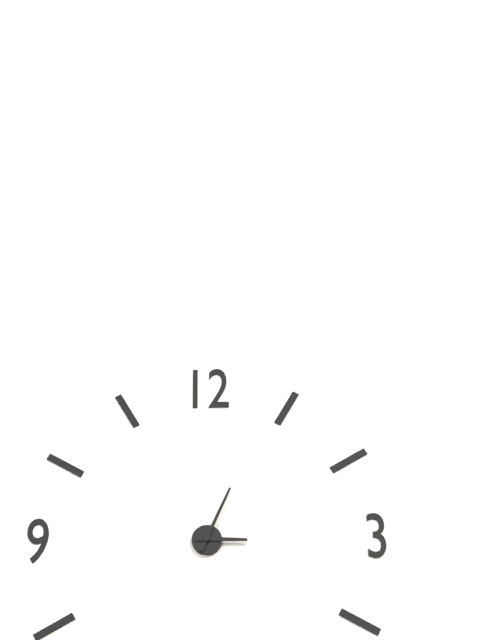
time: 3:04
